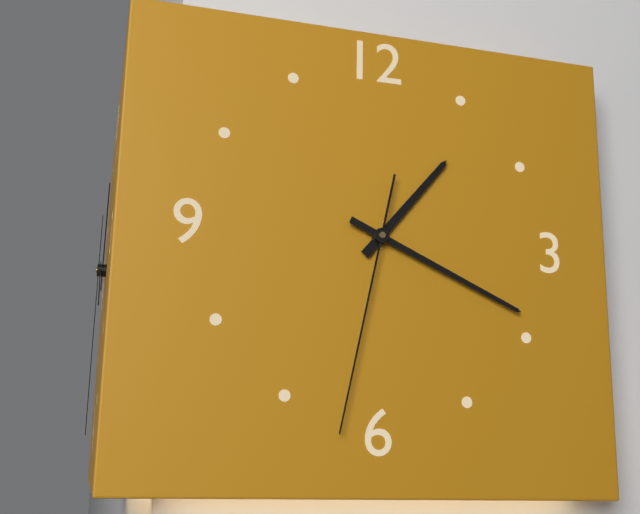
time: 1:19:32
